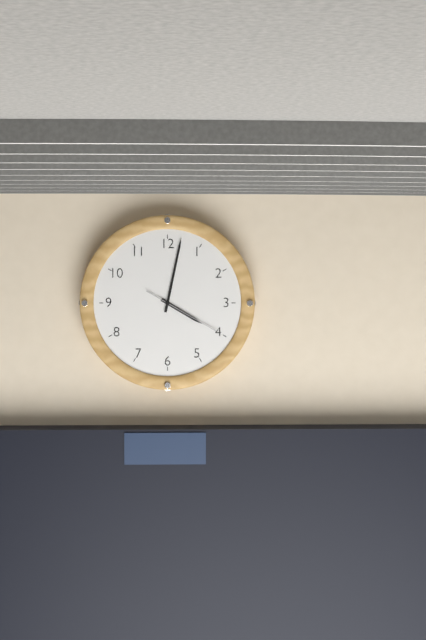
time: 4:02:20
